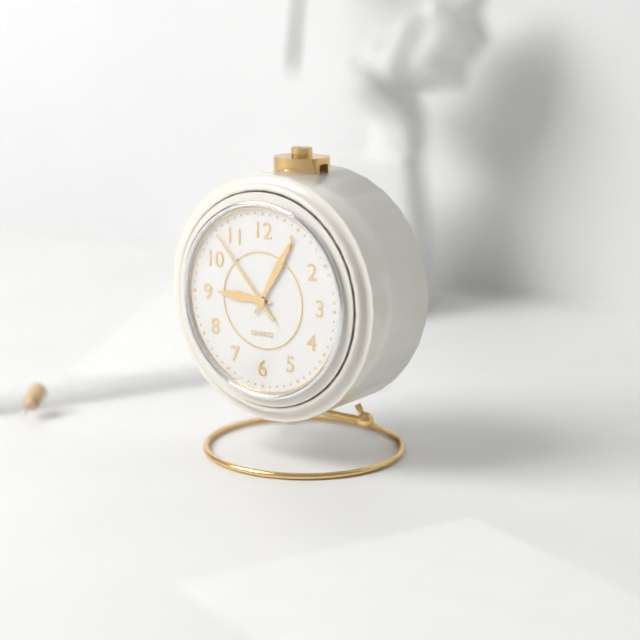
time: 9:05:53
